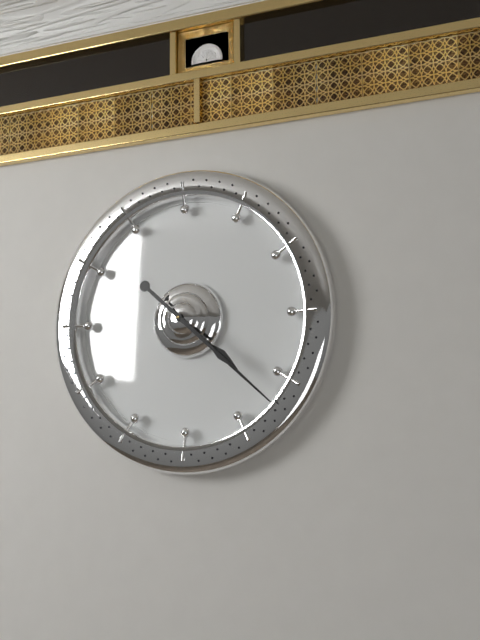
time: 4:22
